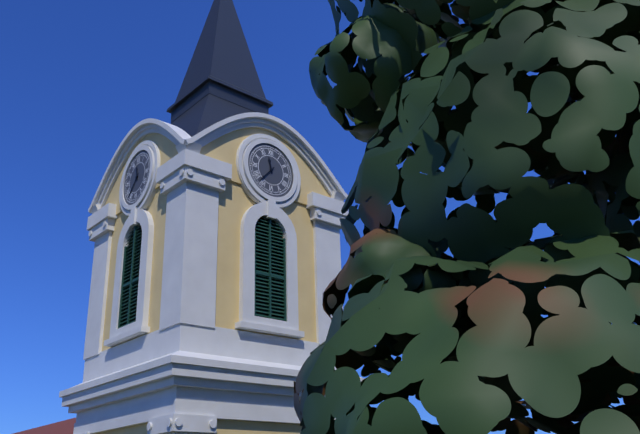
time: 11:37
